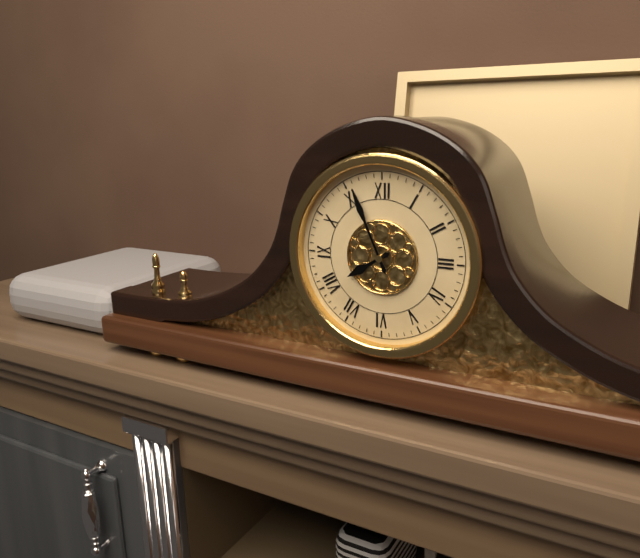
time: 7:56
